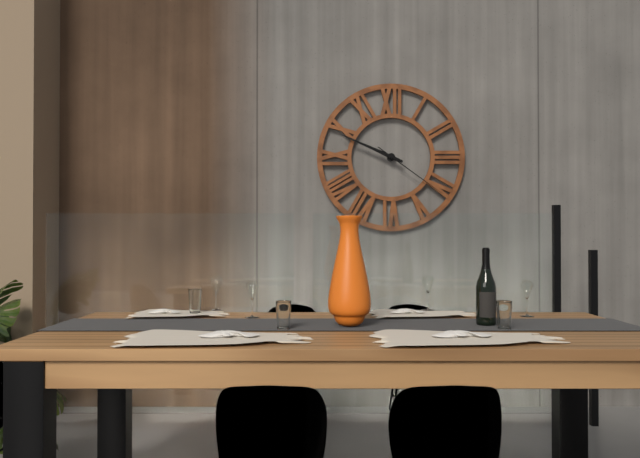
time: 9:49:21
